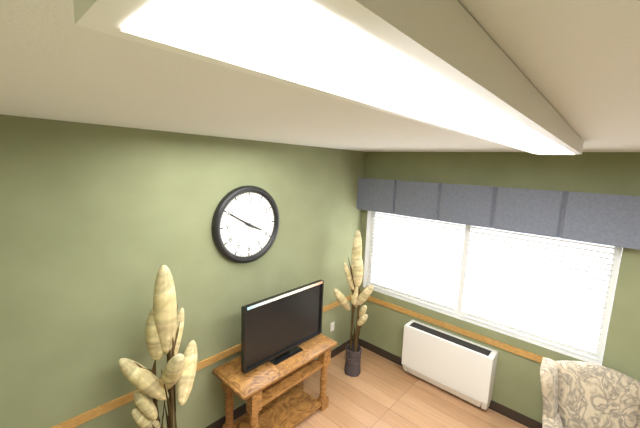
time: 3:50
